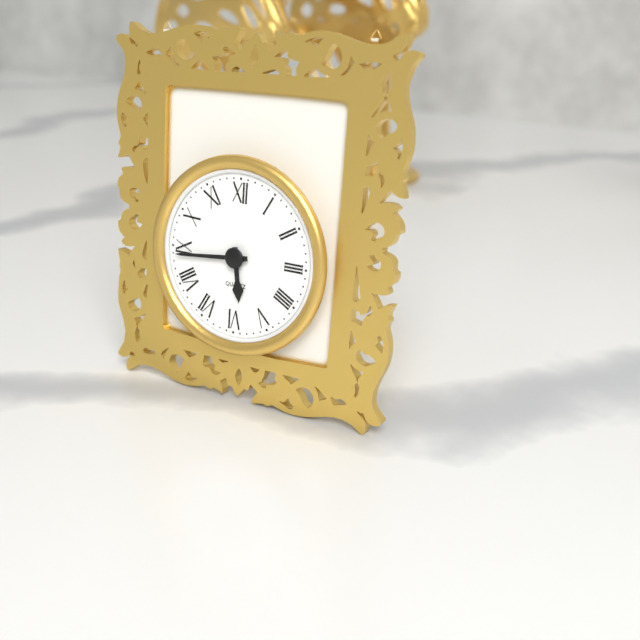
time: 5:44
